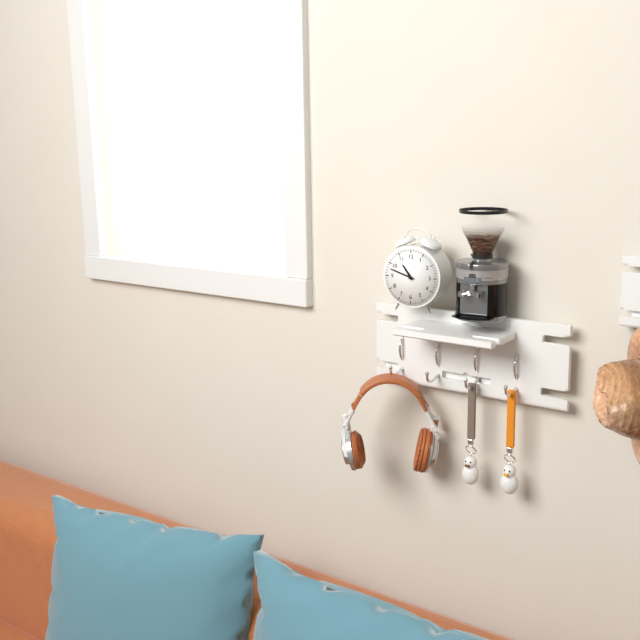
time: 10:48
